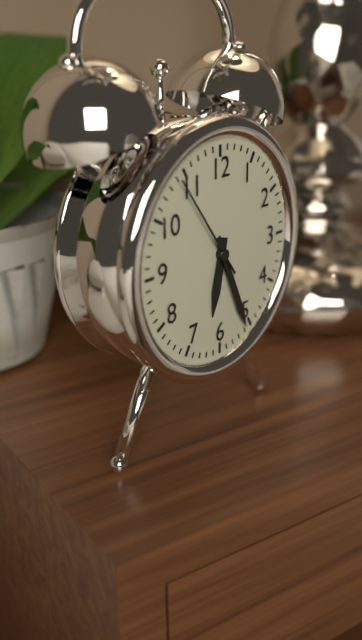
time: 6:26:54
